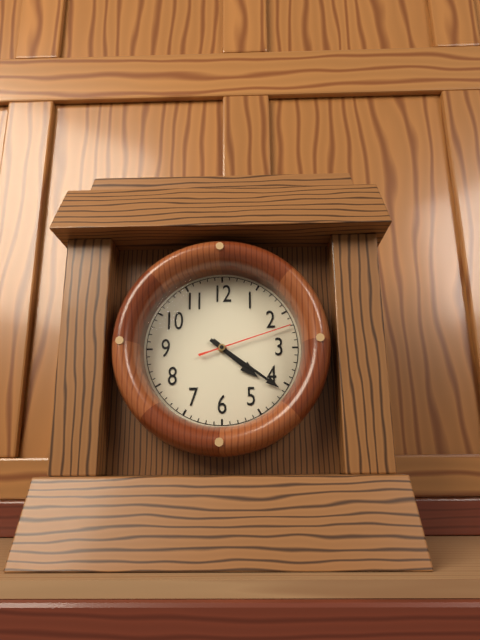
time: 4:21:12
